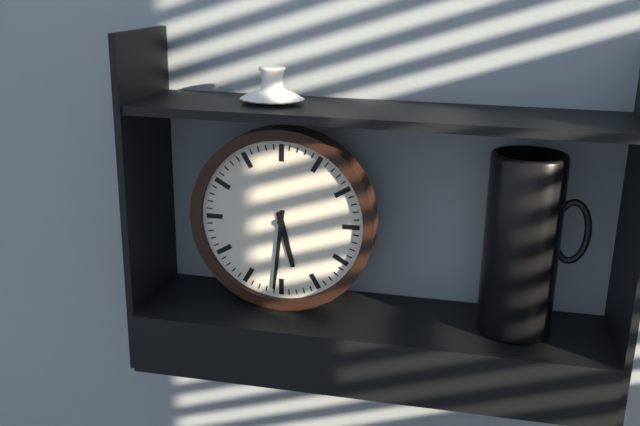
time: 5:31
